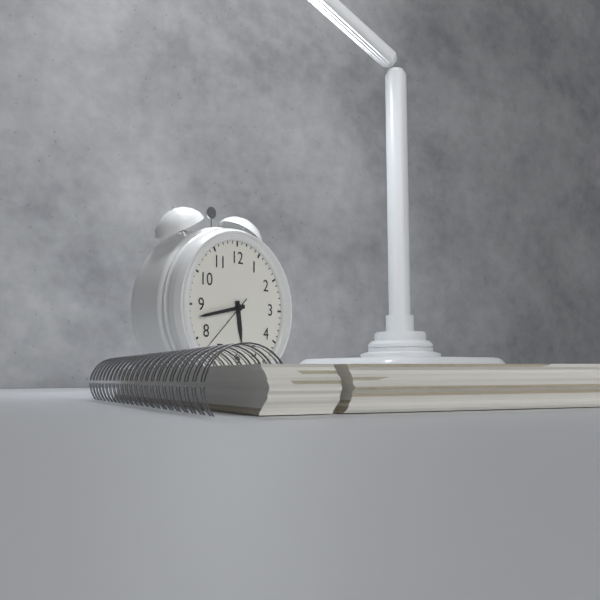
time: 5:43:38
